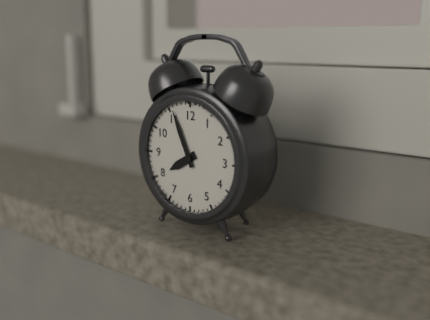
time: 7:56
